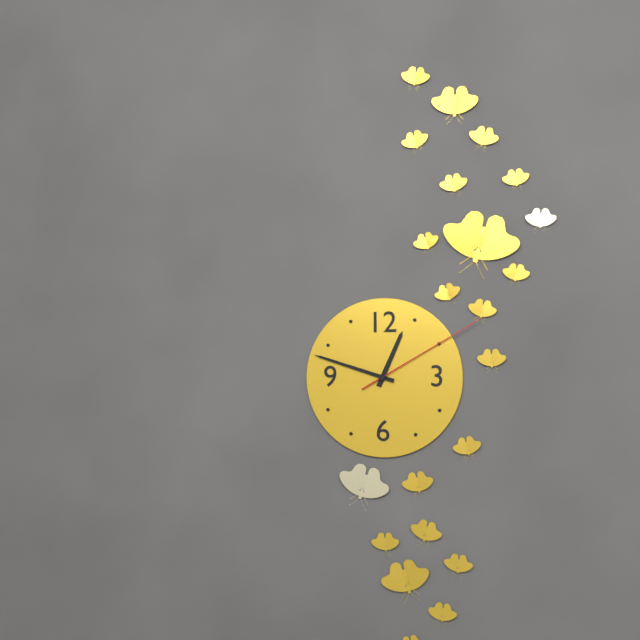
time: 12:48:10
